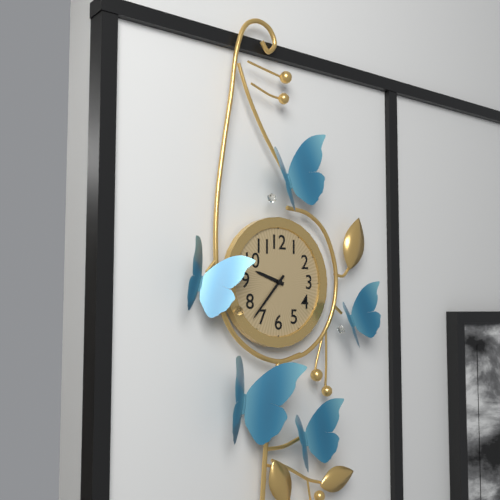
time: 9:37
